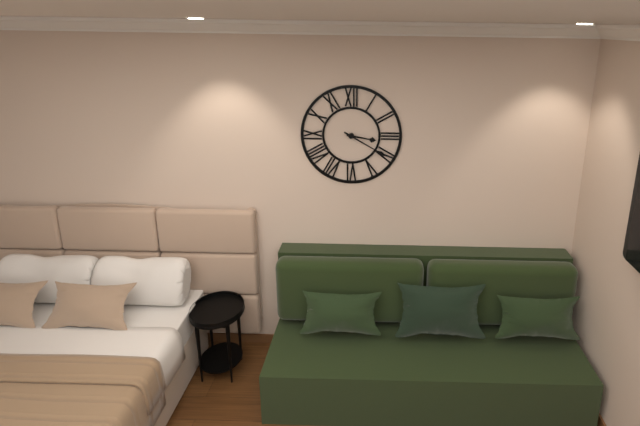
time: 3:20
